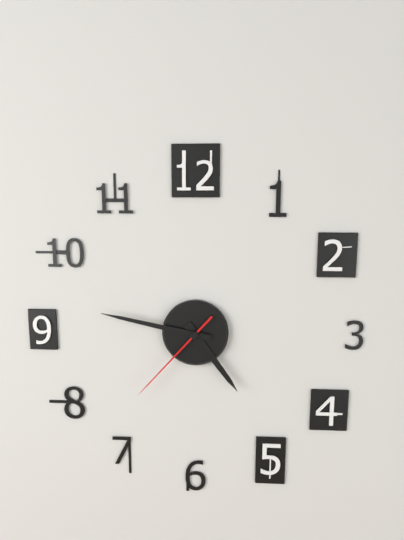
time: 4:47:37
